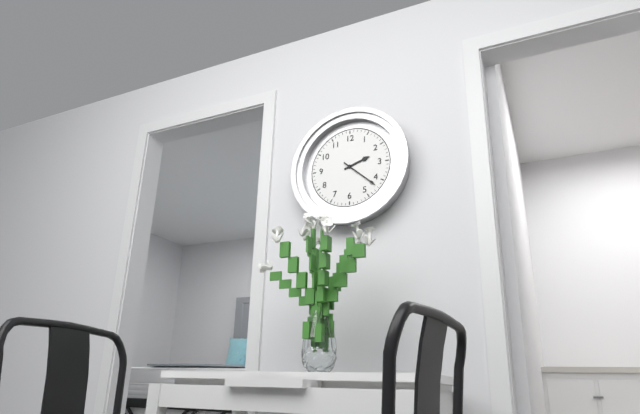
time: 2:22
